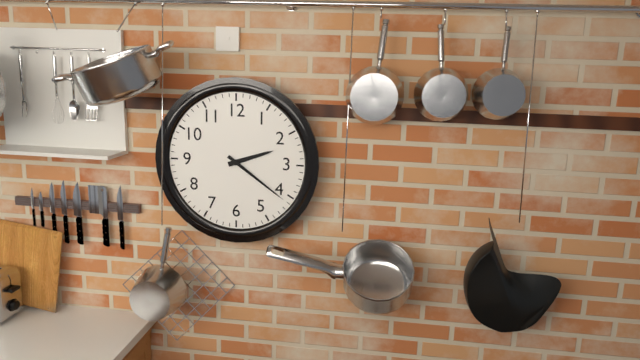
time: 2:21
